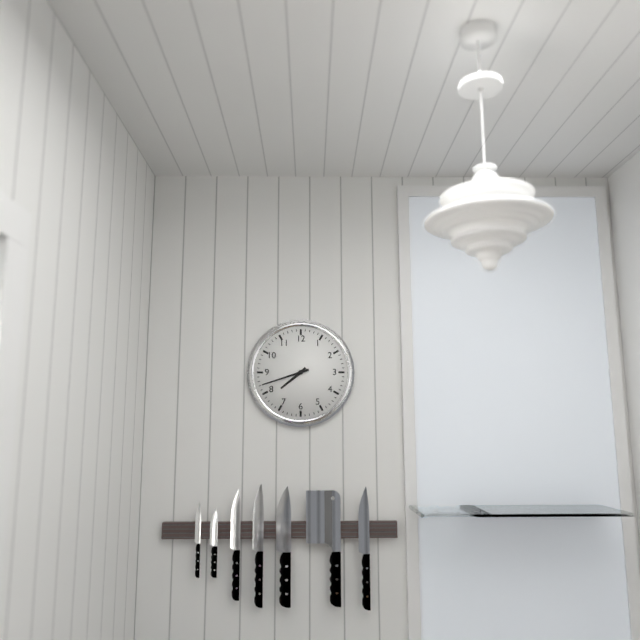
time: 7:42
